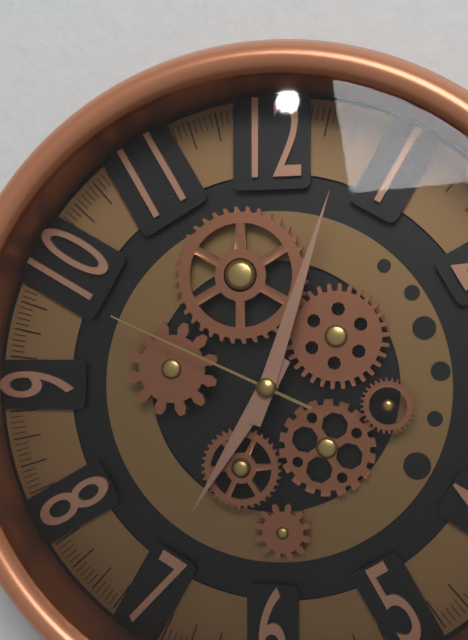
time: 7:03:49
